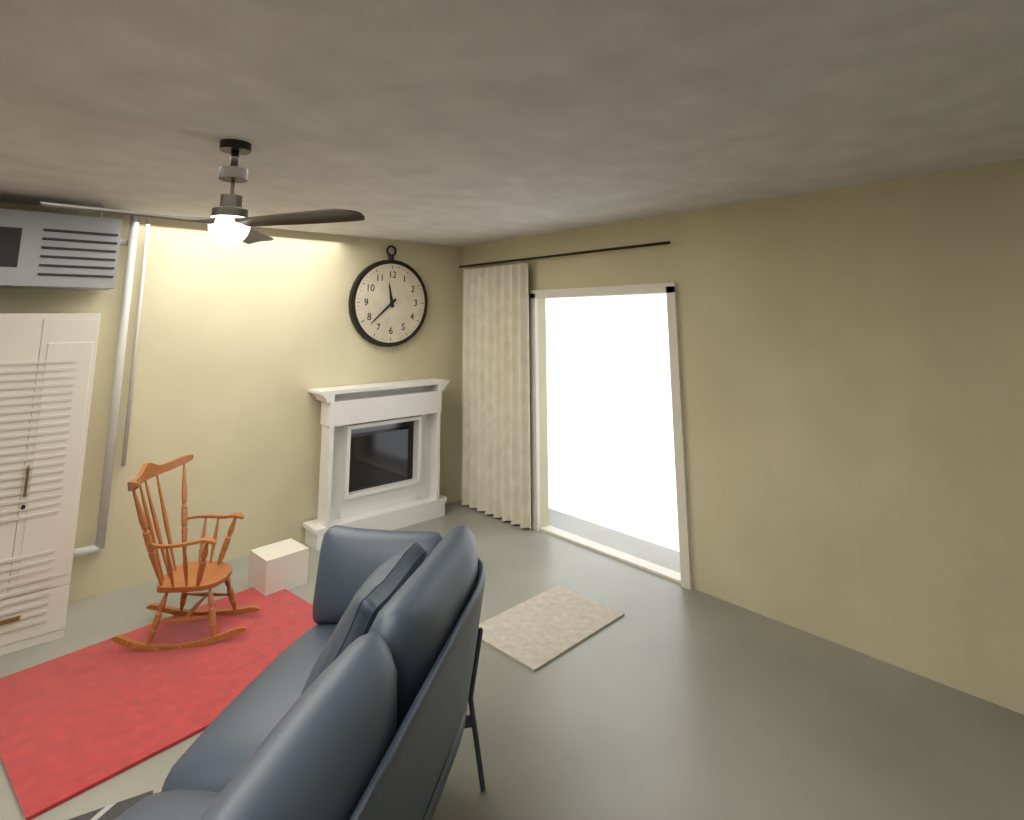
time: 11:38
